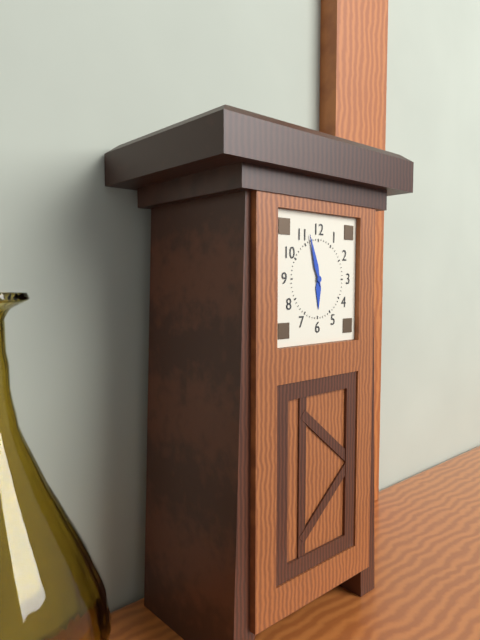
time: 5:57
